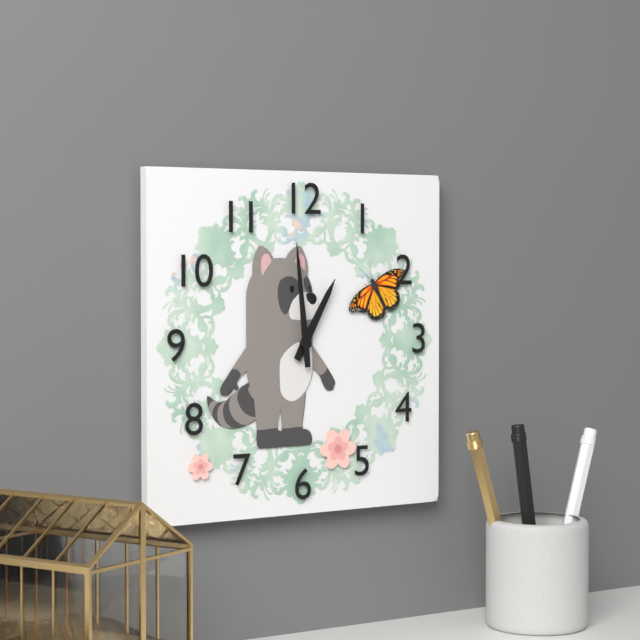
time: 12:59
